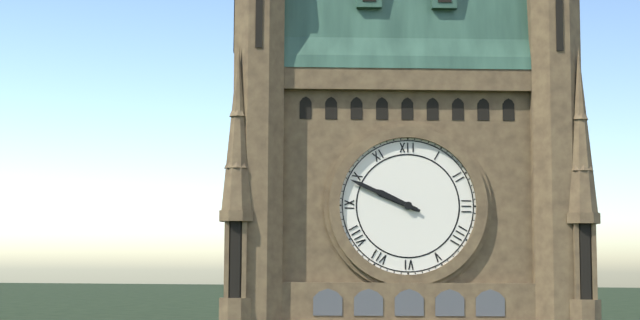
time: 9:49
